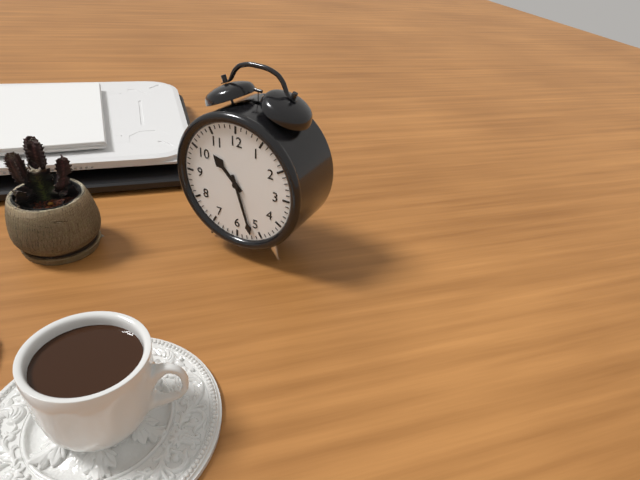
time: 10:27
